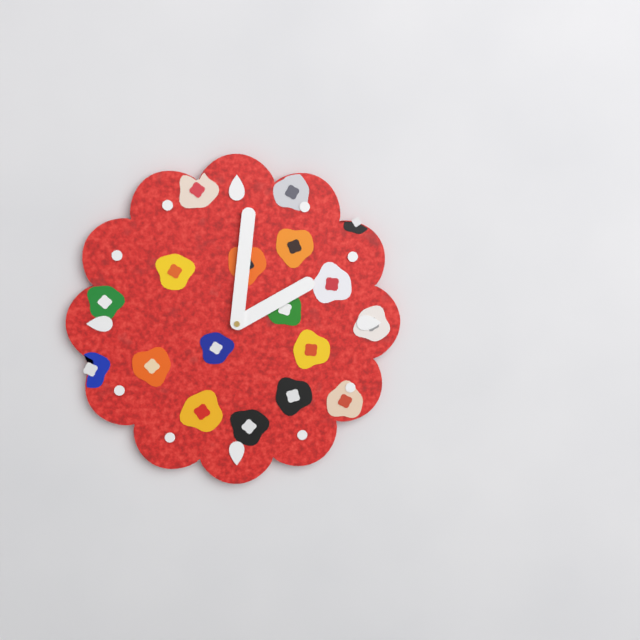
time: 2:01
